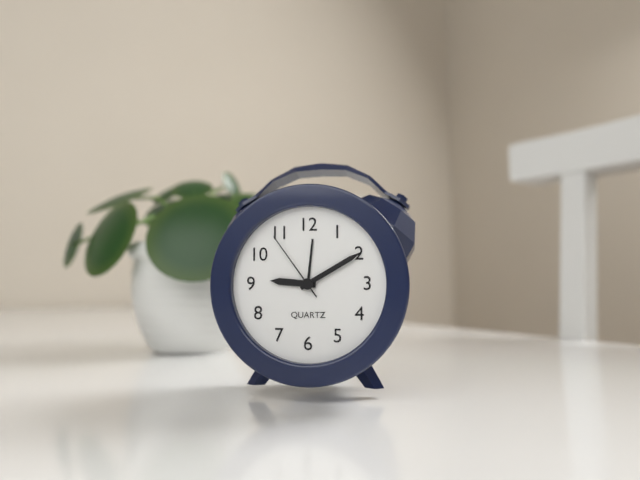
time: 9:10:54
